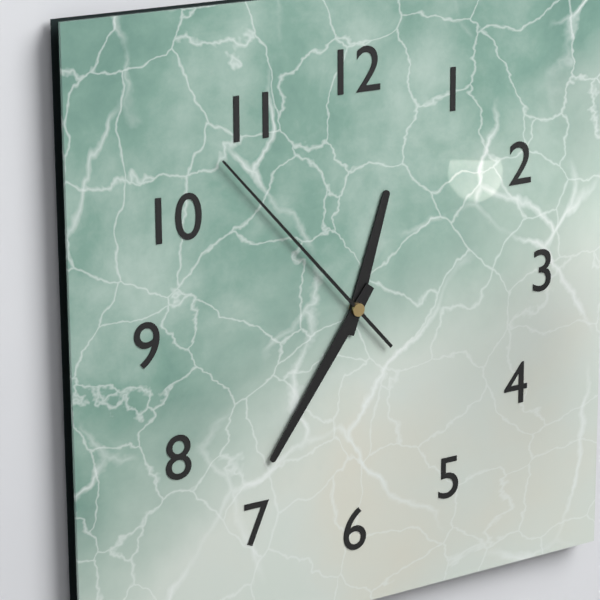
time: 12:36:53
